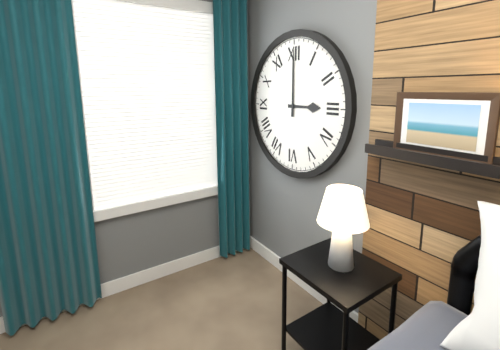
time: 3:00
